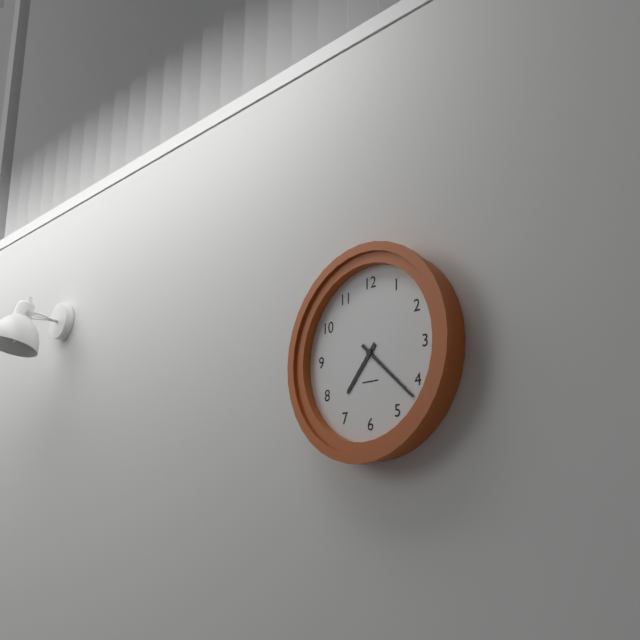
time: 7:22
